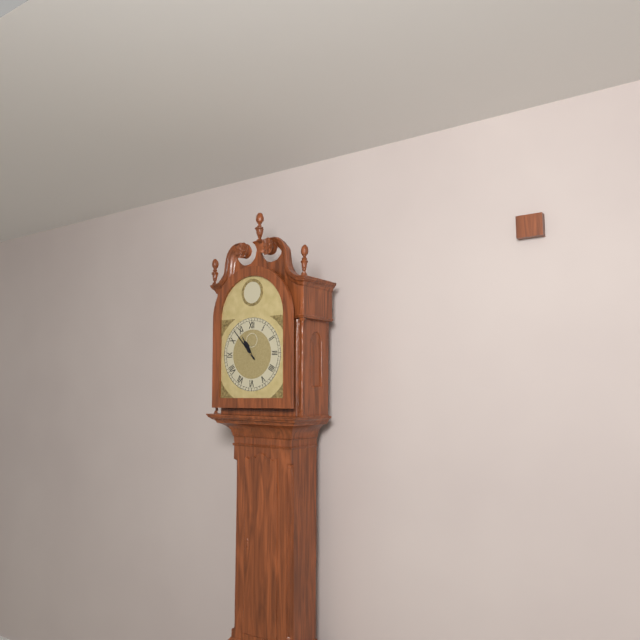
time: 10:53
